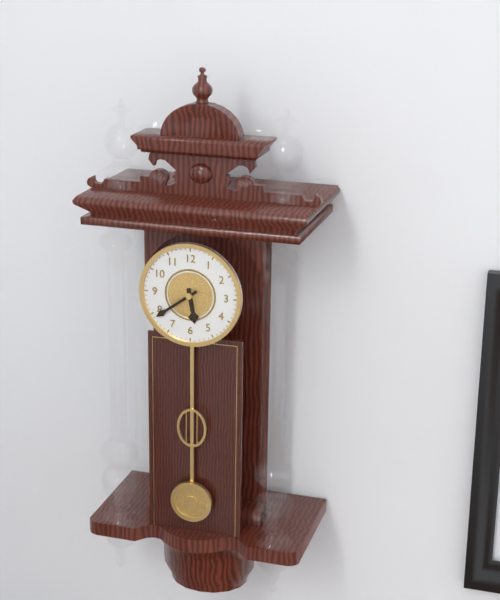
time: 5:39
